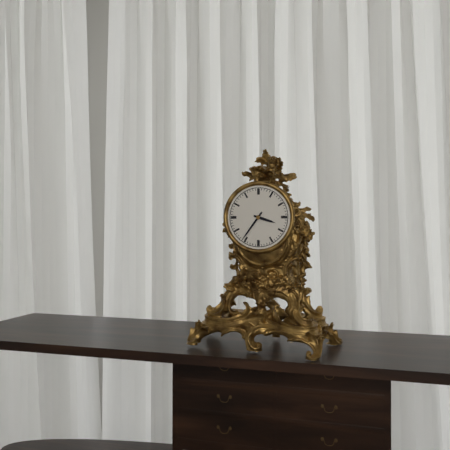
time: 3:36
